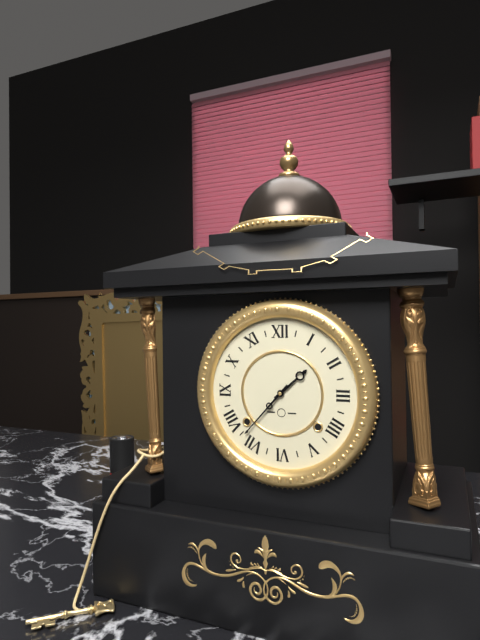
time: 1:37
